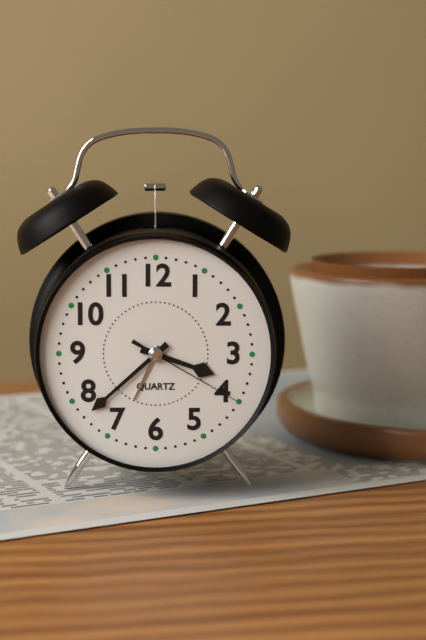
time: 3:38:20
